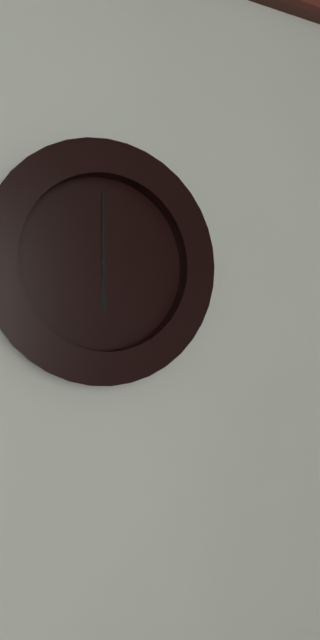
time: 6:00
